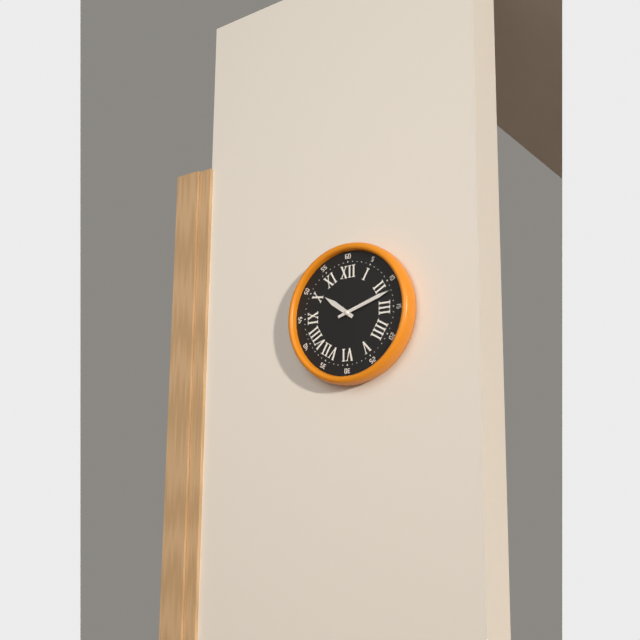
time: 10:12
